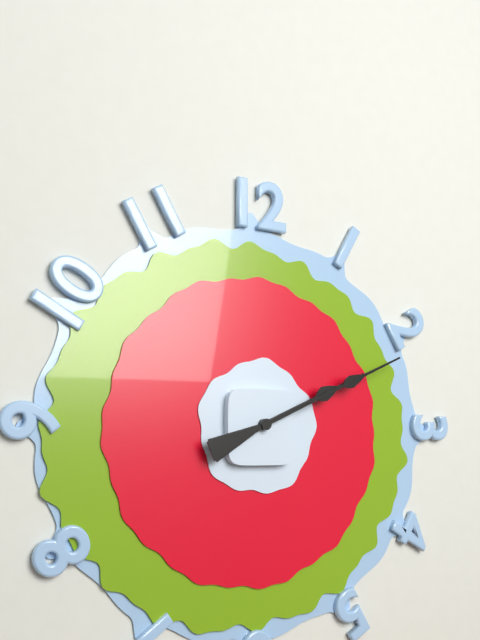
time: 2:11
